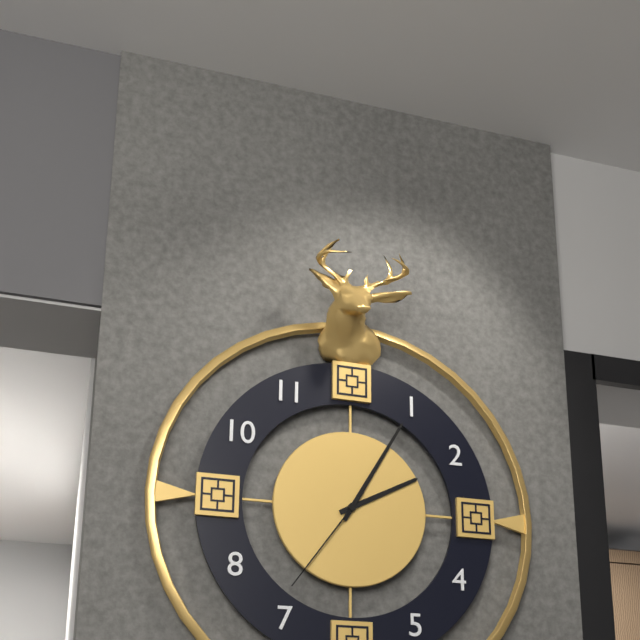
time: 2:05:36
